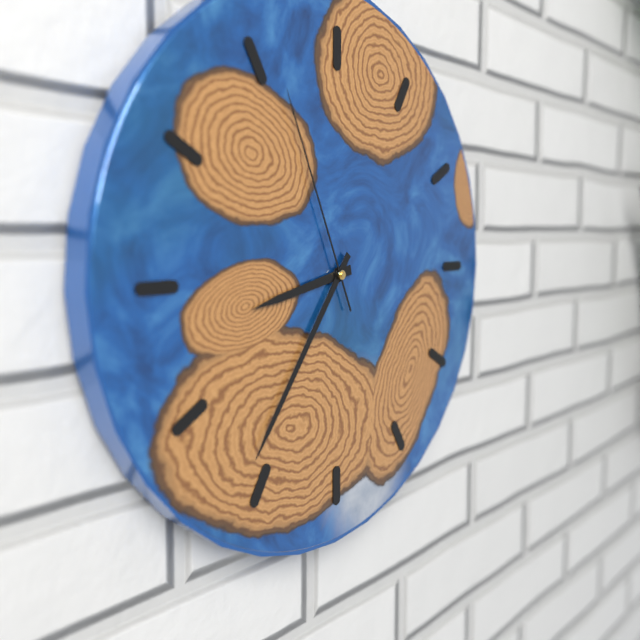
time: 8:36:56
